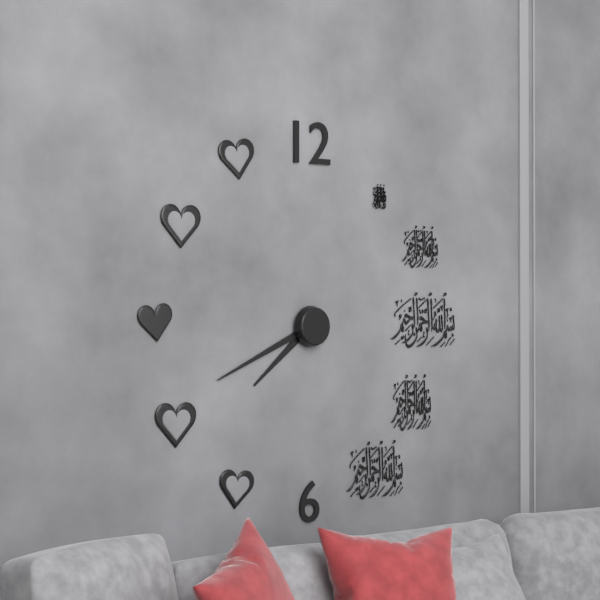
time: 7:41
